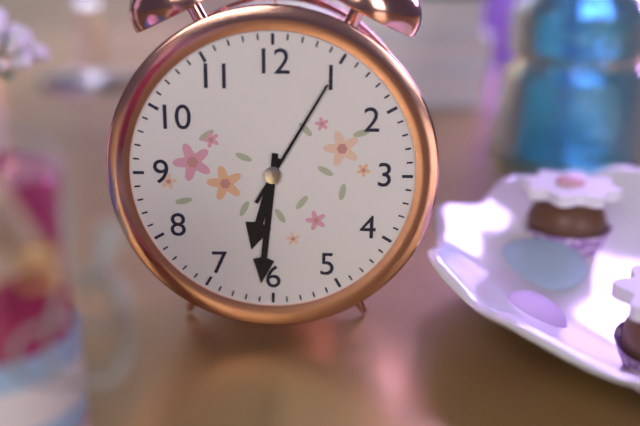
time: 6:31:05
